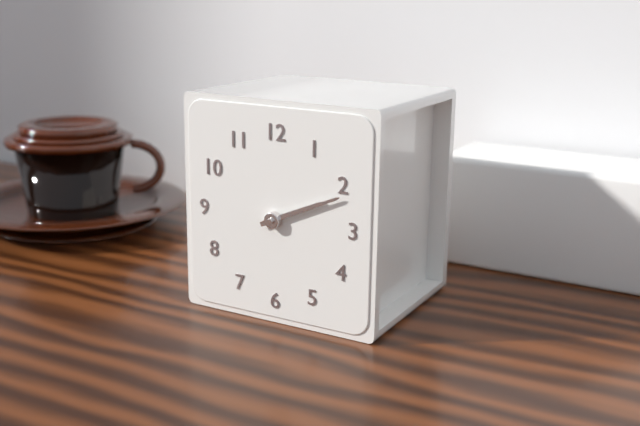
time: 2:11
